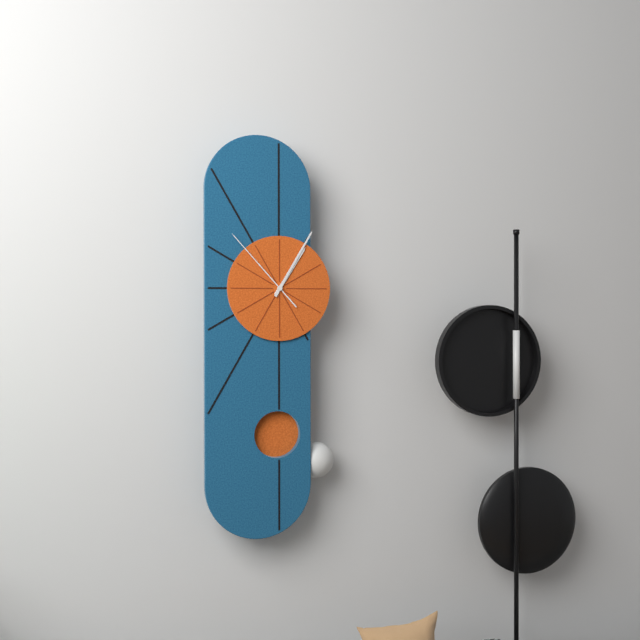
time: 1:05:53
